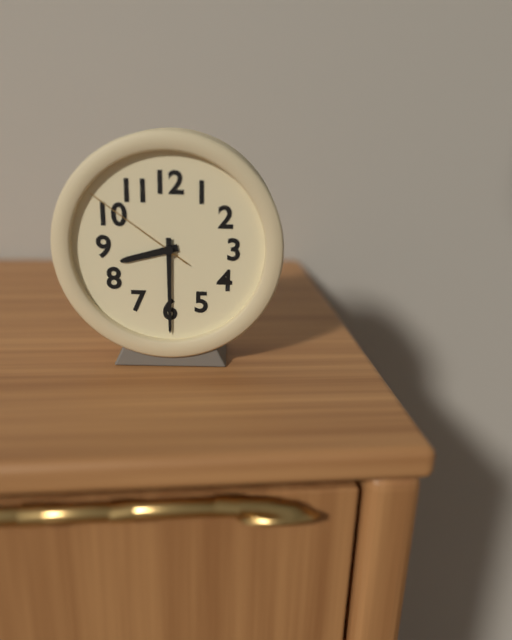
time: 8:30:51
